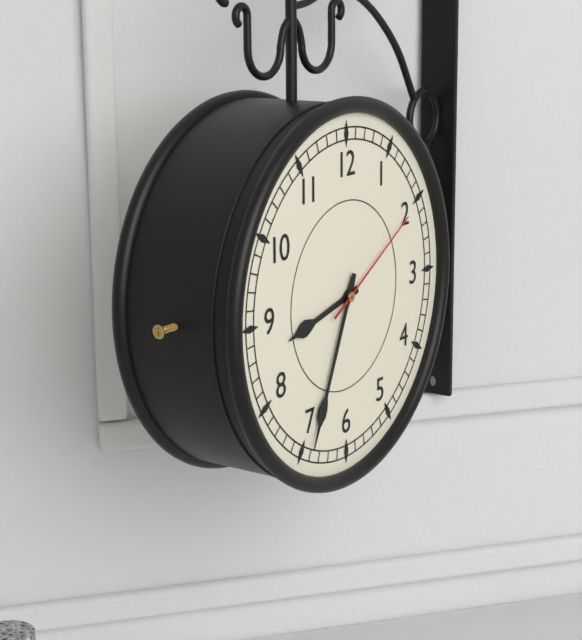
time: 8:34:10
